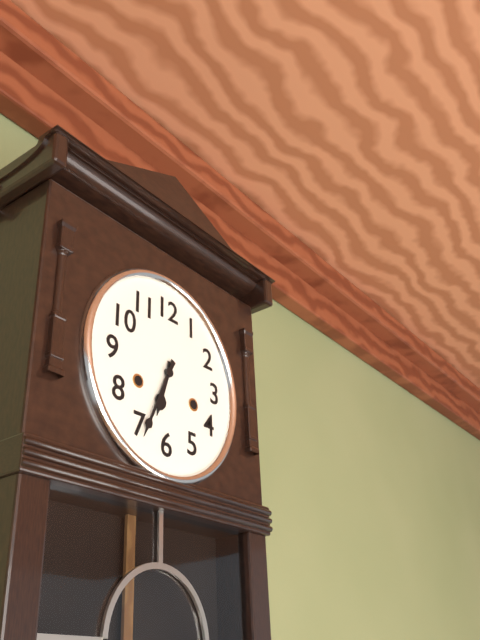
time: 6:34
